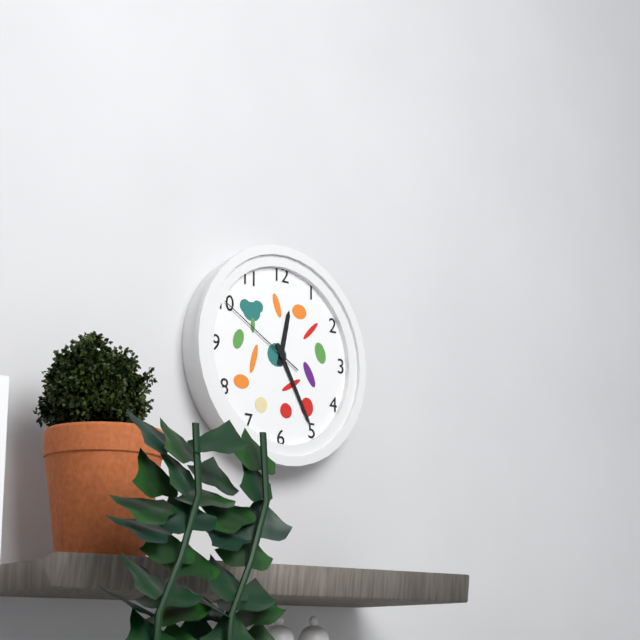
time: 12:25:50
